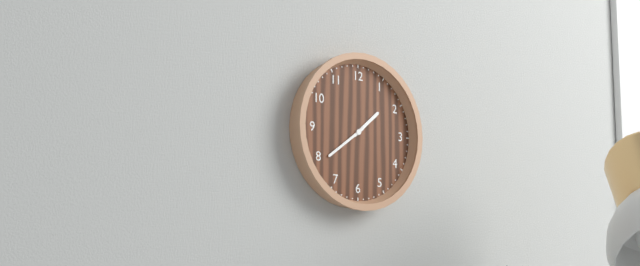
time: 1:39
